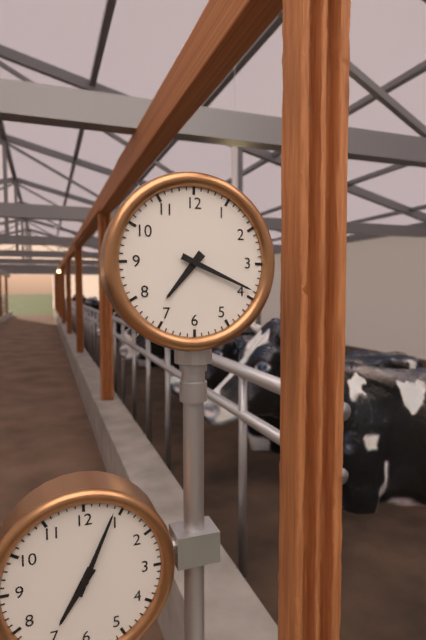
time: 7:19
